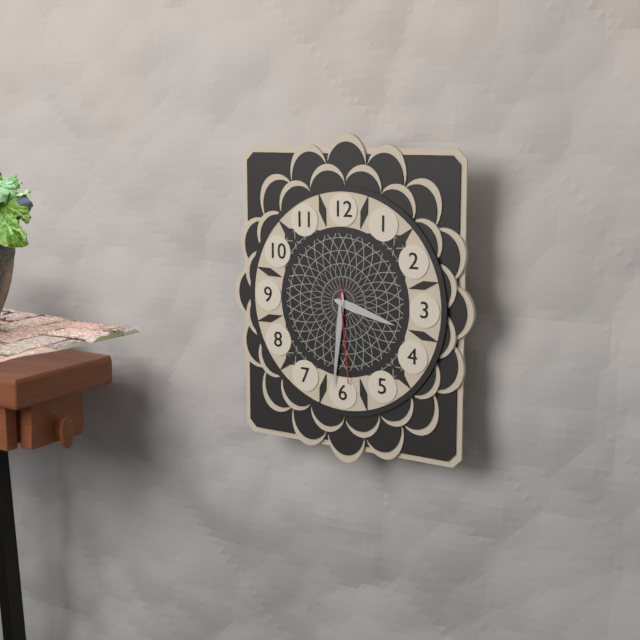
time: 3:31:29
